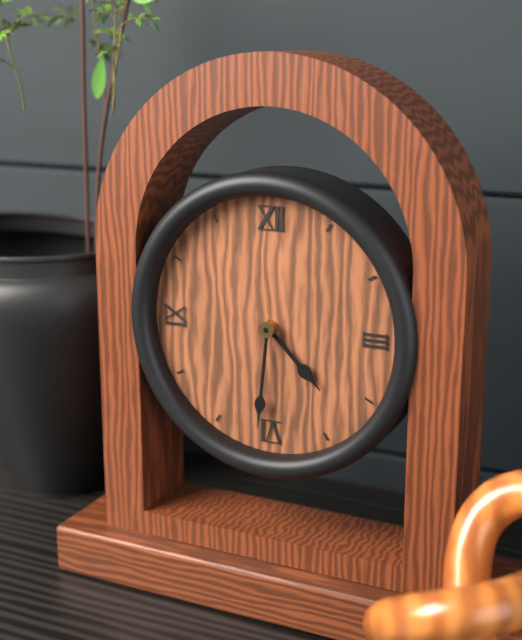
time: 4:31
